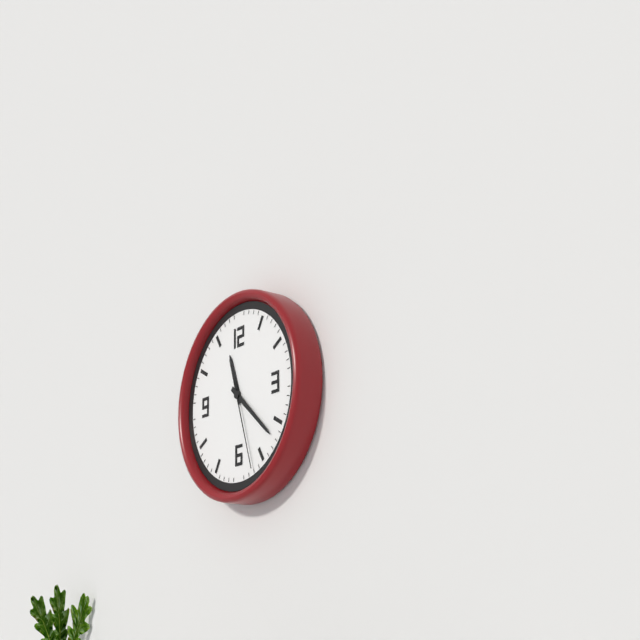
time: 11:22:27
